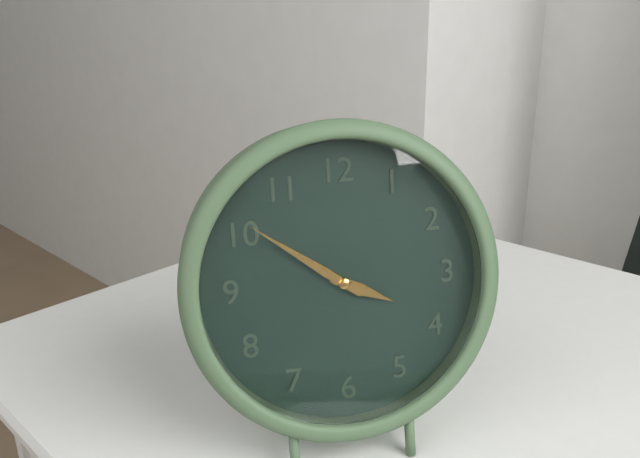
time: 3:51
